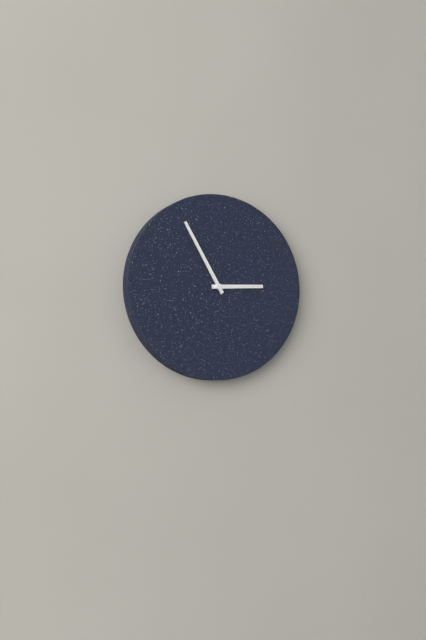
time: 2:55
